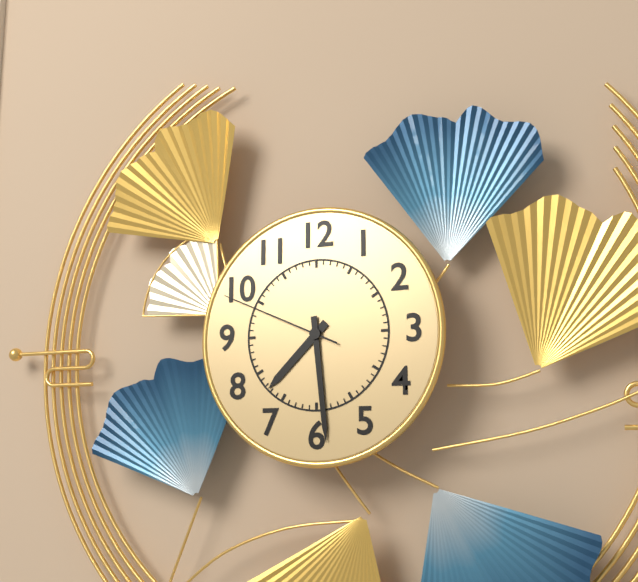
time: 7:29:49
